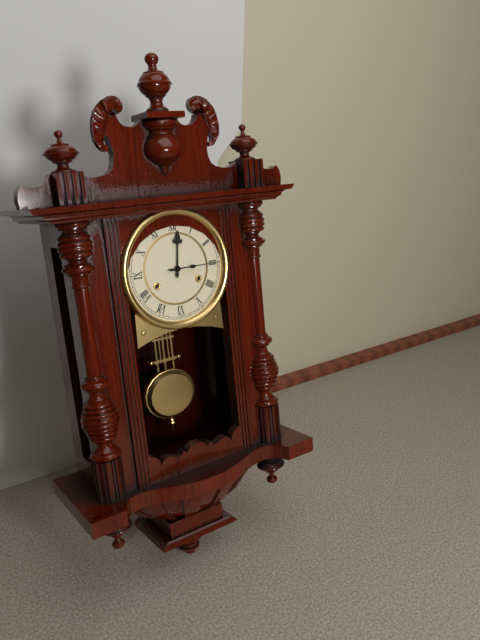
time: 12:15
